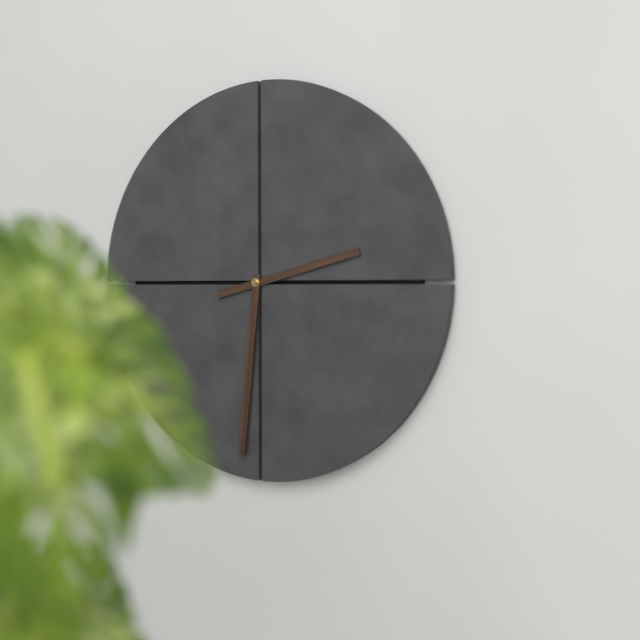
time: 2:31
